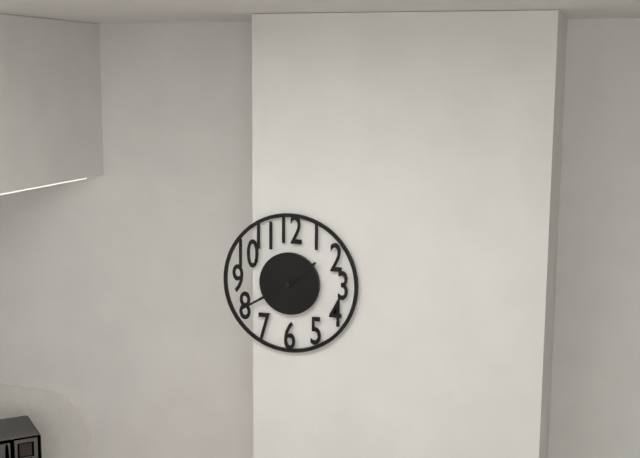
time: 1:40
